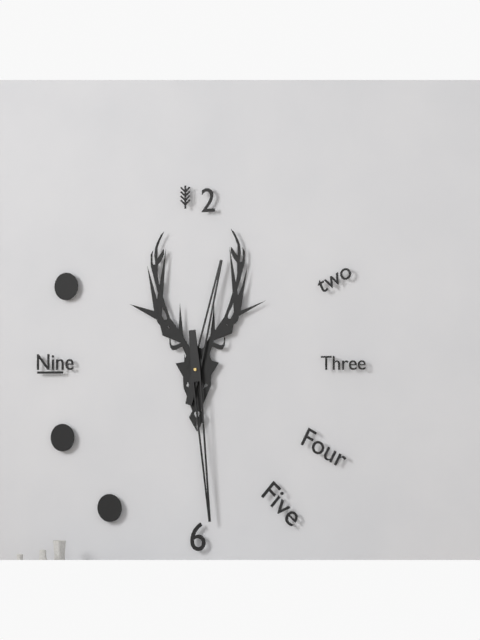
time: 12:29
